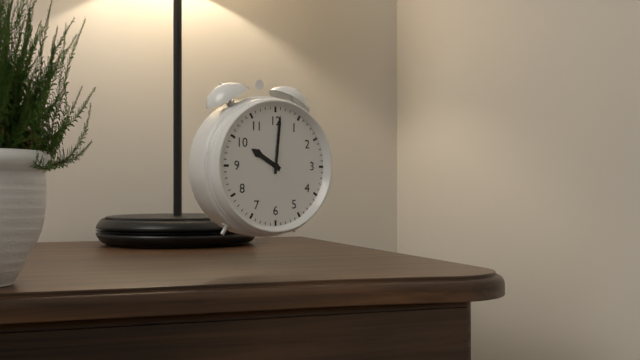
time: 10:01
